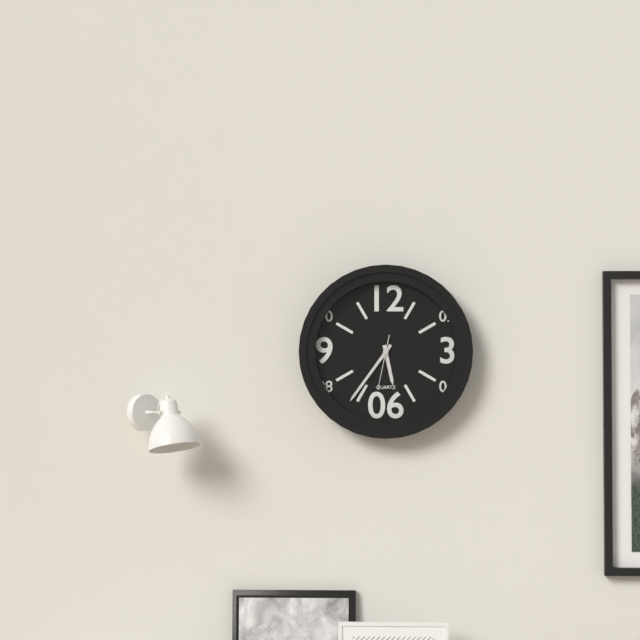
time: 5:36
